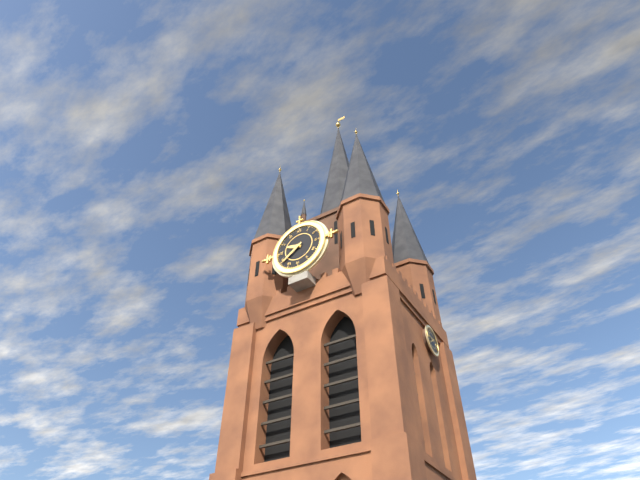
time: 9:39
